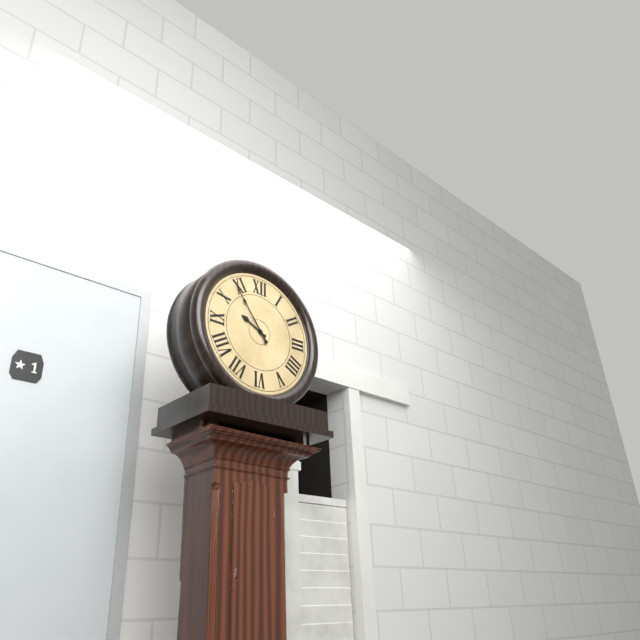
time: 9:54
